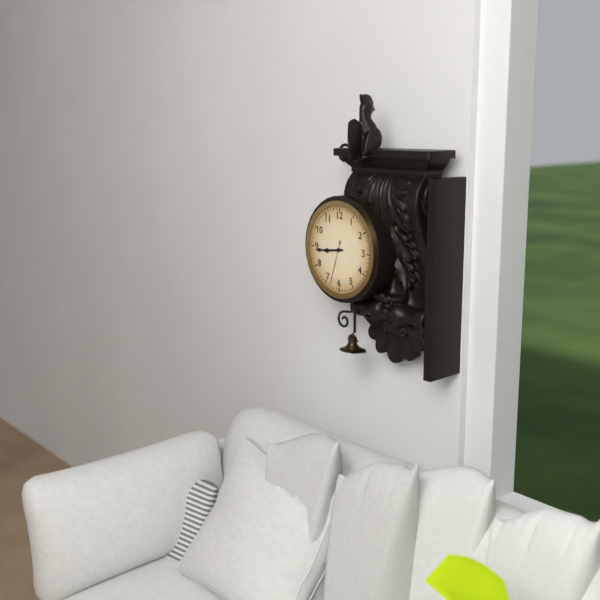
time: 8:44
